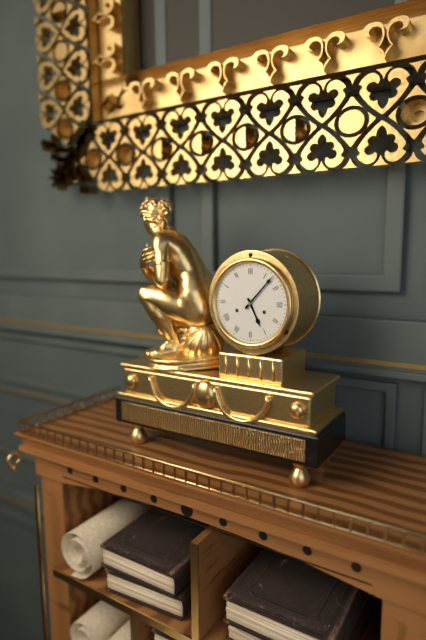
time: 5:07
